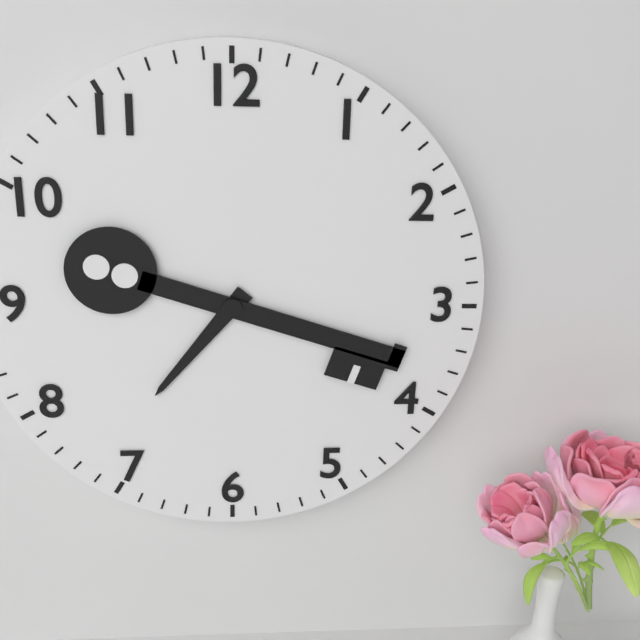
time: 7:18
